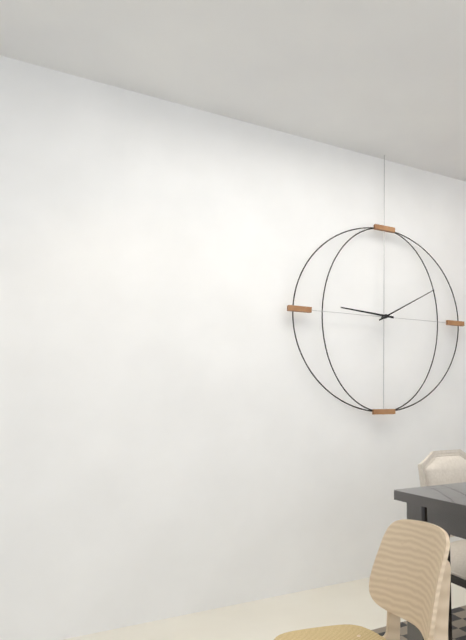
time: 9:10
